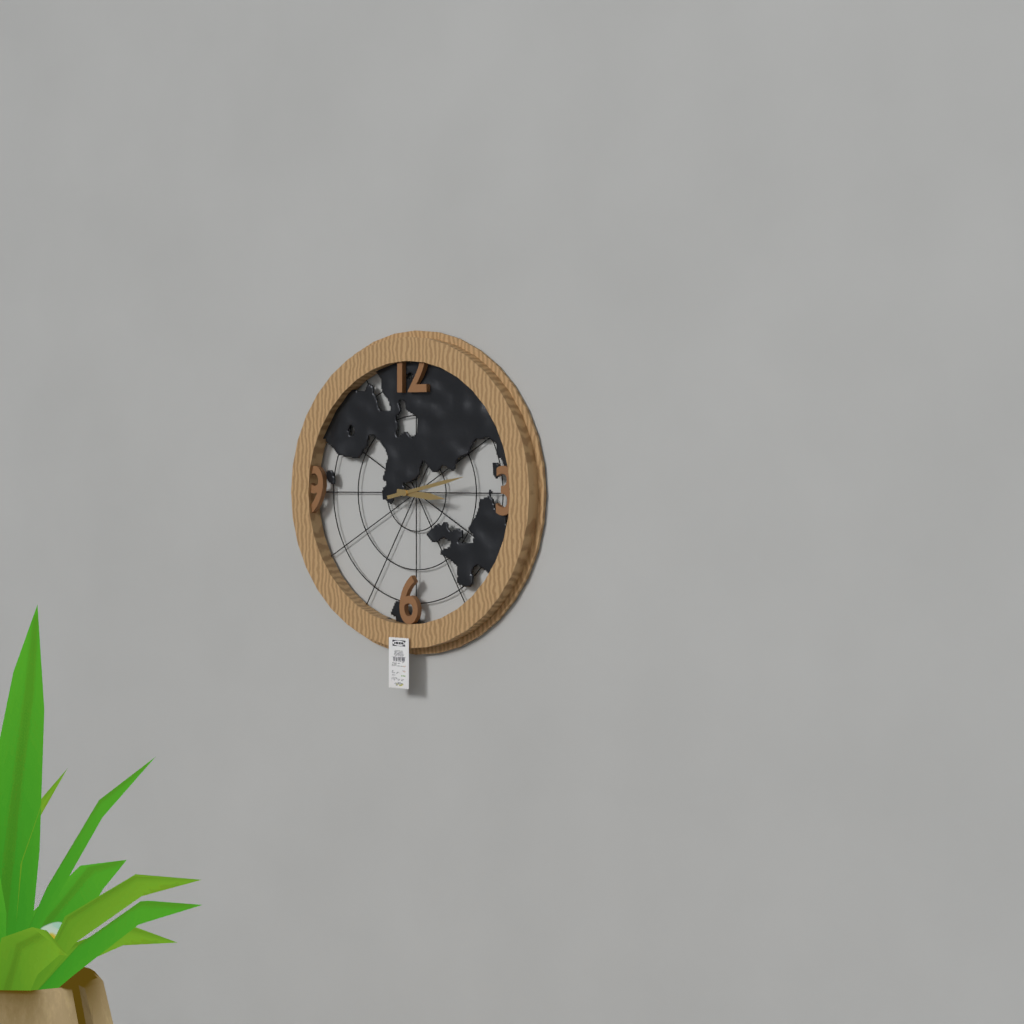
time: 3:13
